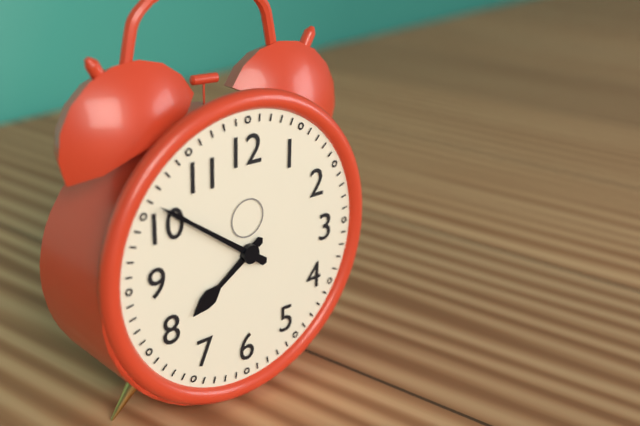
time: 7:51
